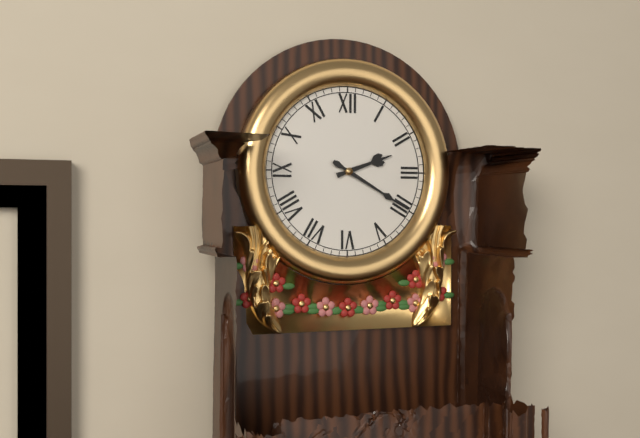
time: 2:20
